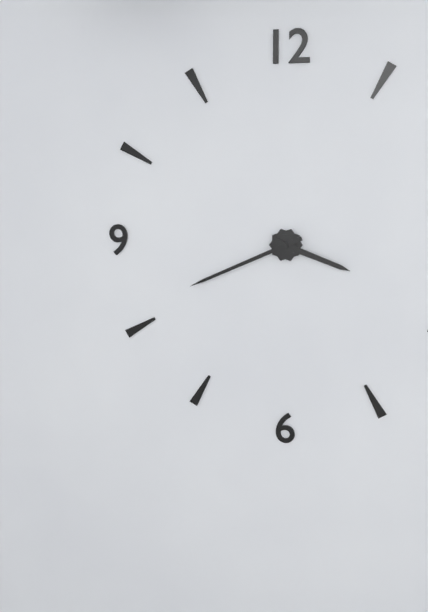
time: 3:41
